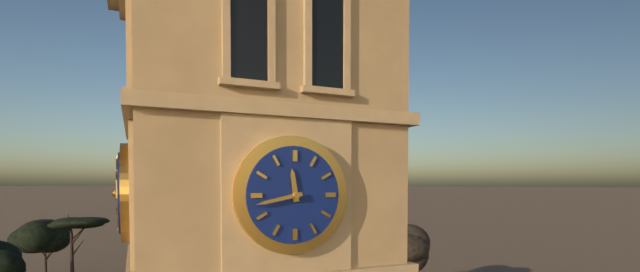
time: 11:43
